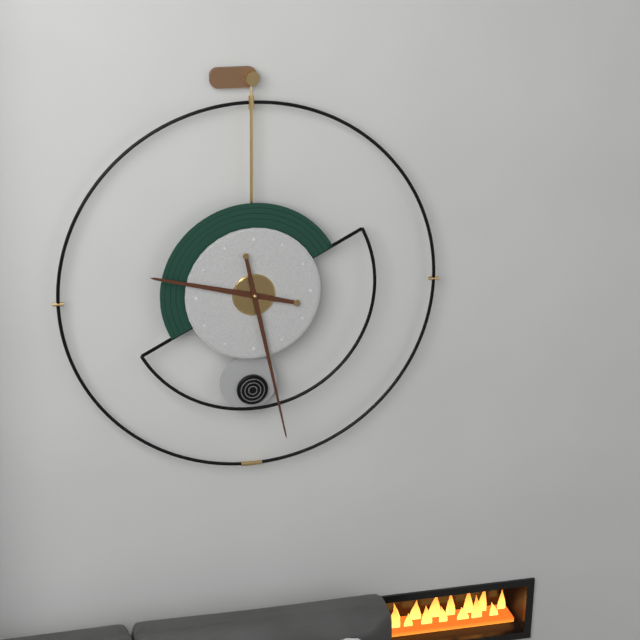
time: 9:28
